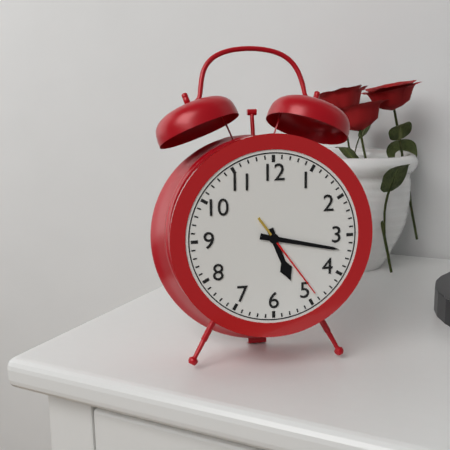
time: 5:17:24
